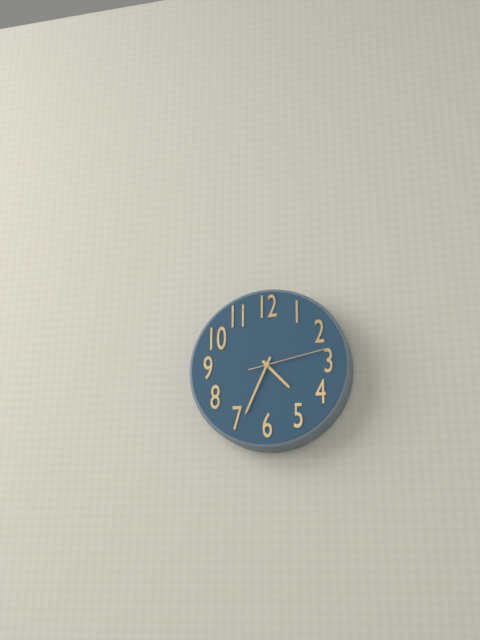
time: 4:34:13
